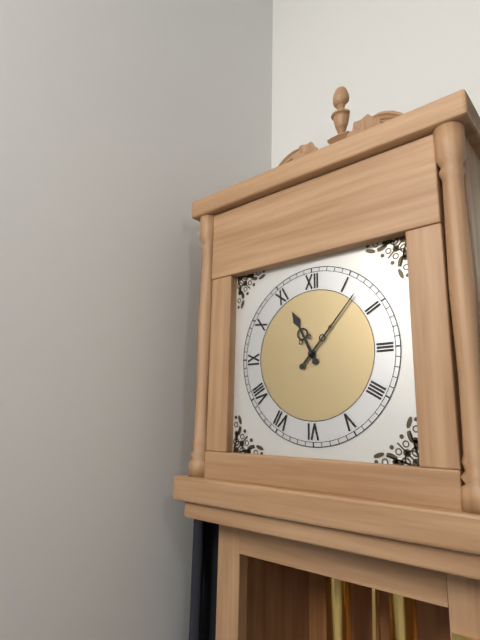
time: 11:07
